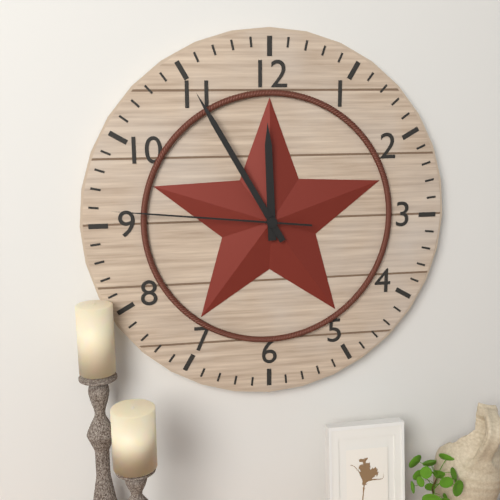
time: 11:55:46
